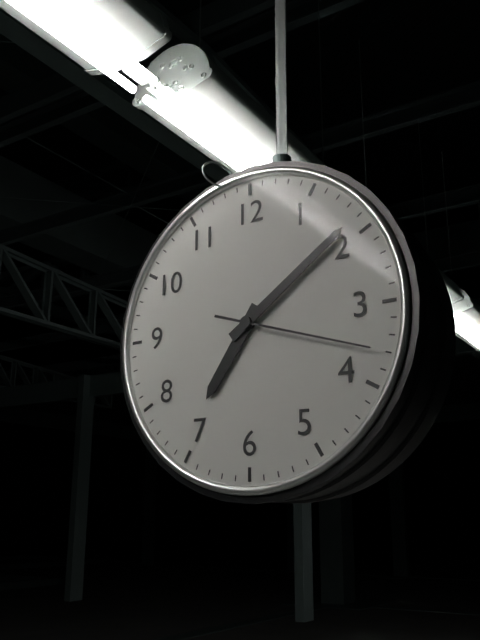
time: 7:09:18
